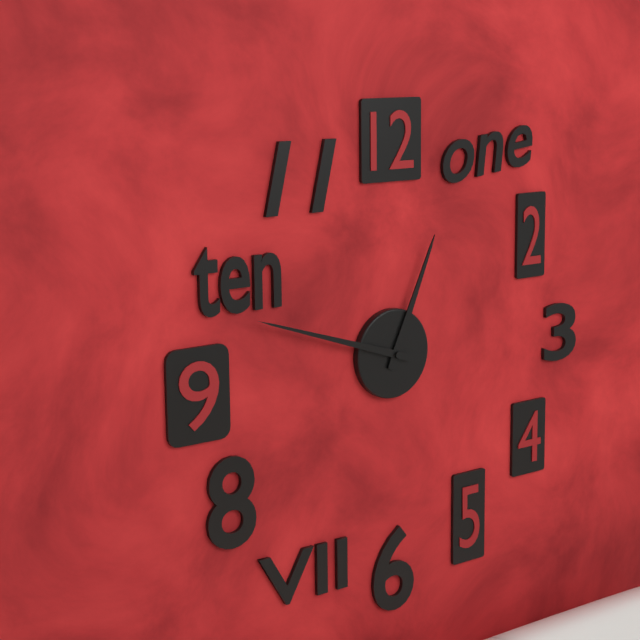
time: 12:48
